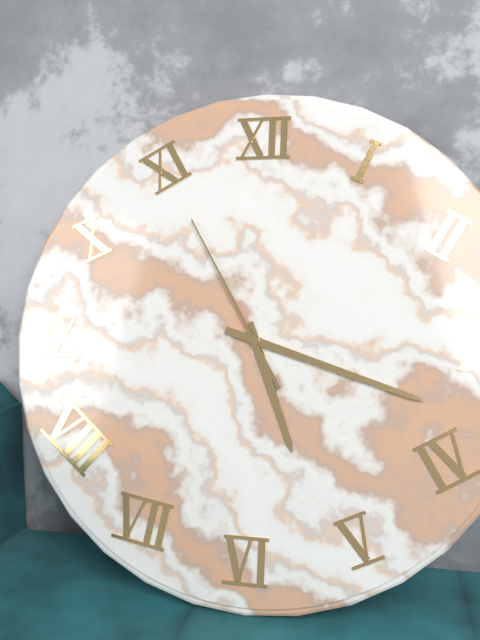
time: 5:18:55
